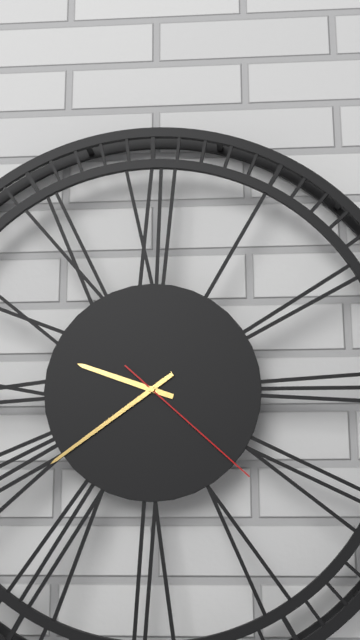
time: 9:39:22
